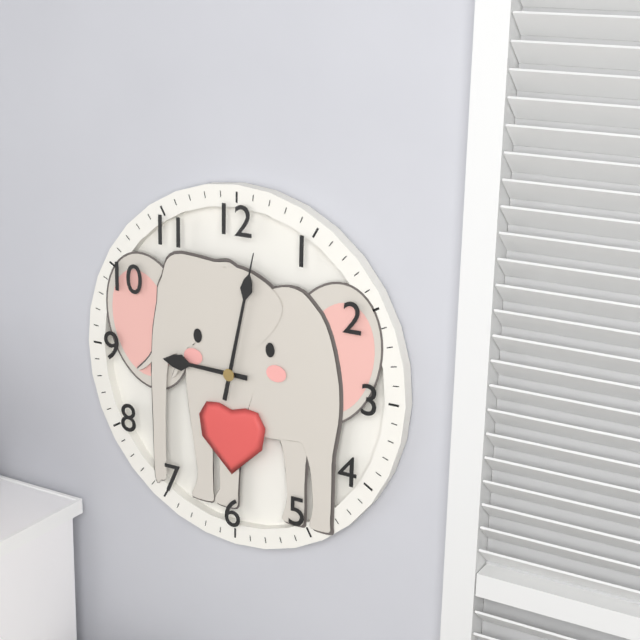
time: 9:02
